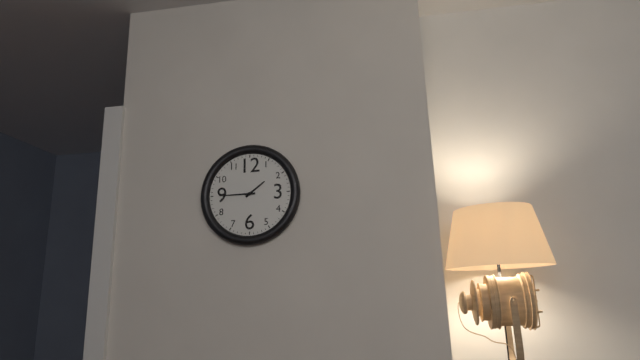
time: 1:45
